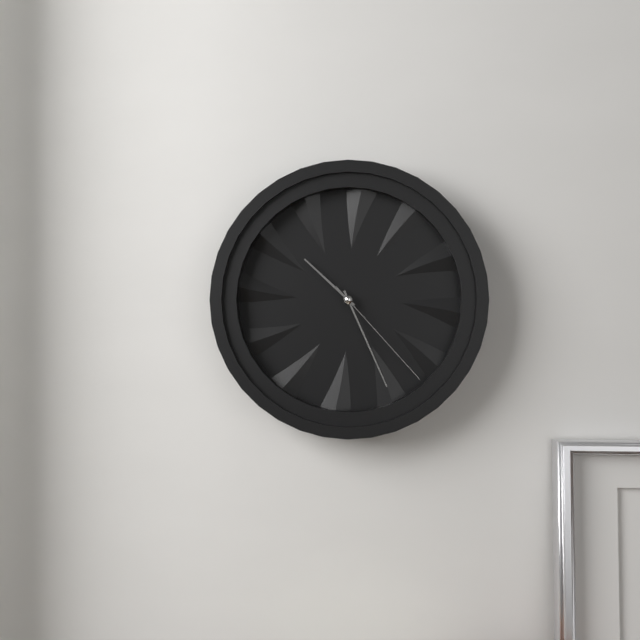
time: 10:26:23
